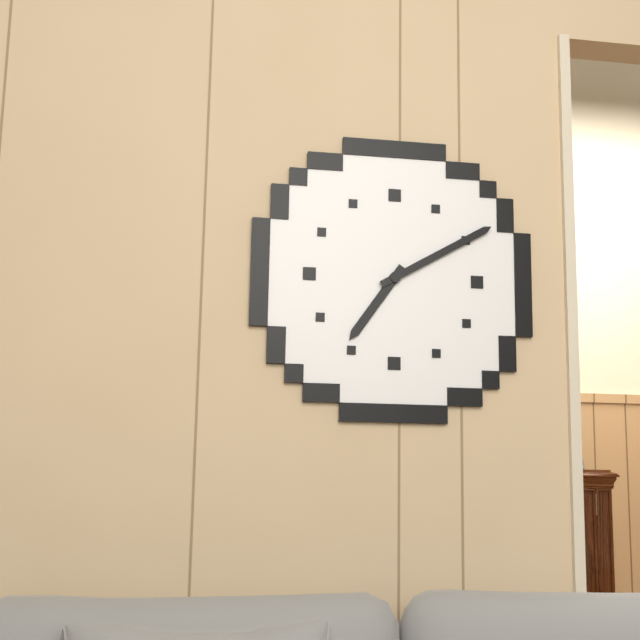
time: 7:10
